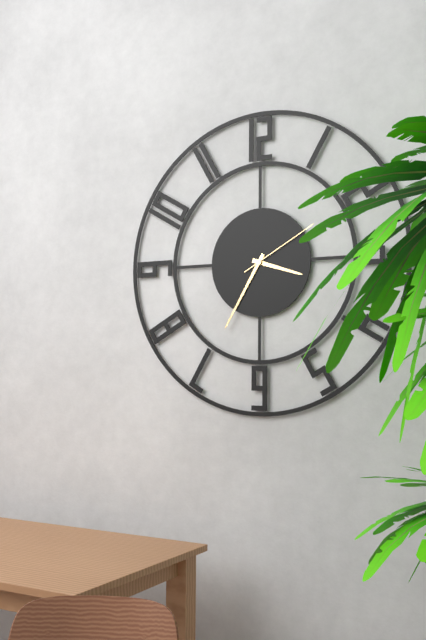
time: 3:35:10
